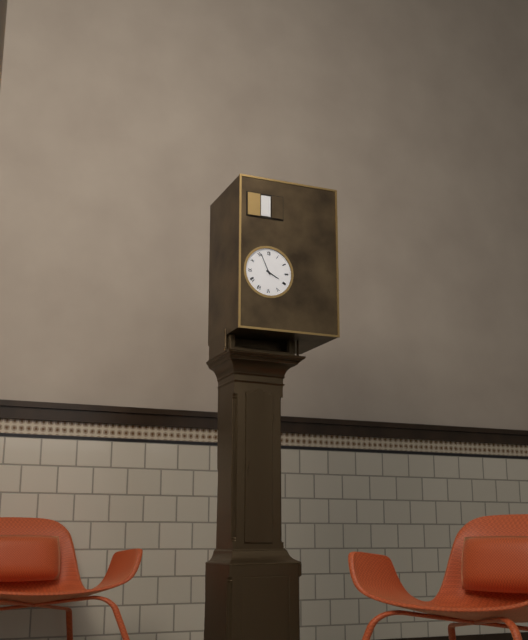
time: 3:56
